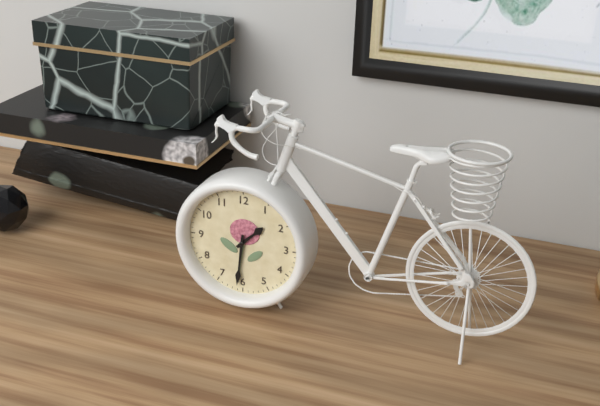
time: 1:31
